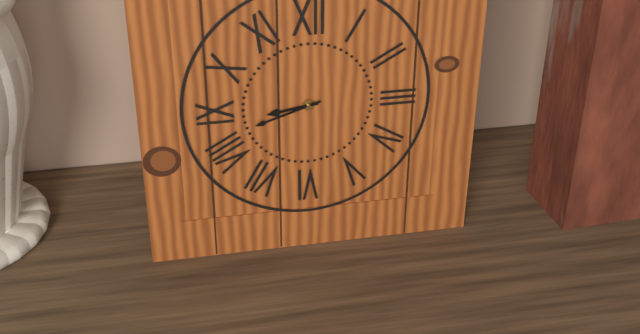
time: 8:42
